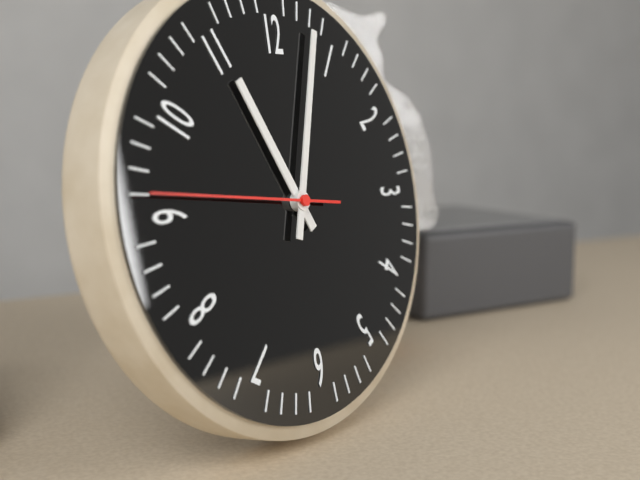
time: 11:03:46
